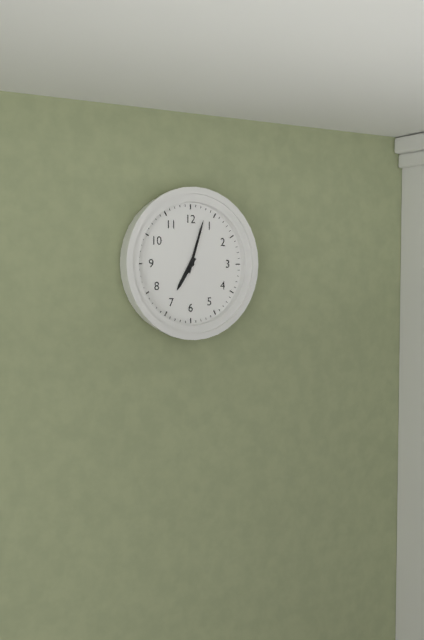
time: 7:03
